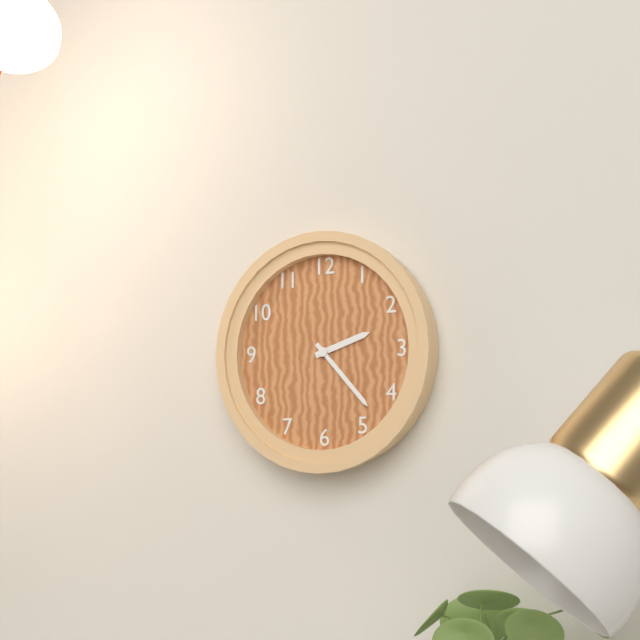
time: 2:23
